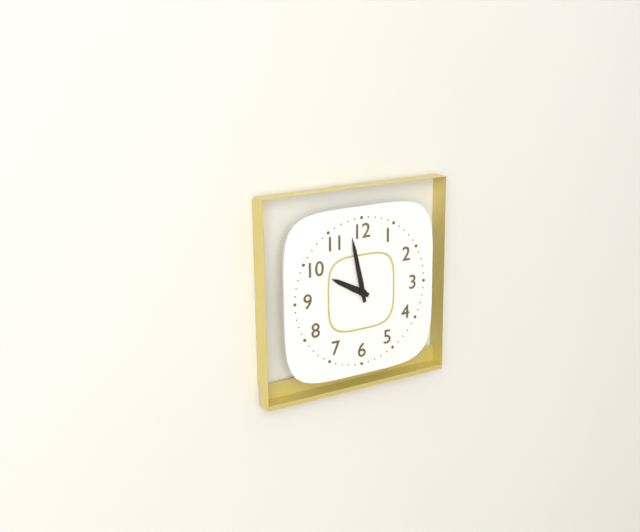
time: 9:58
